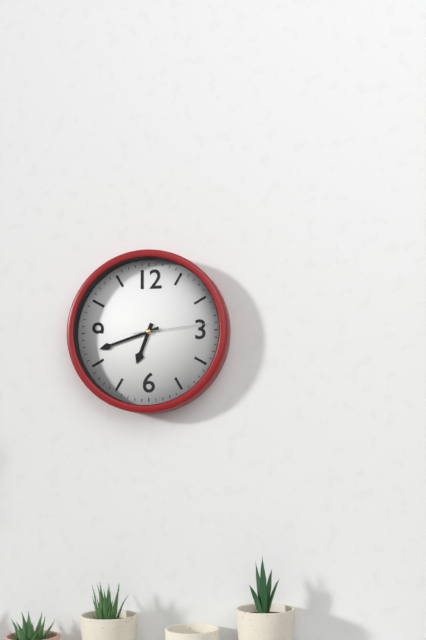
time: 6:42:14
